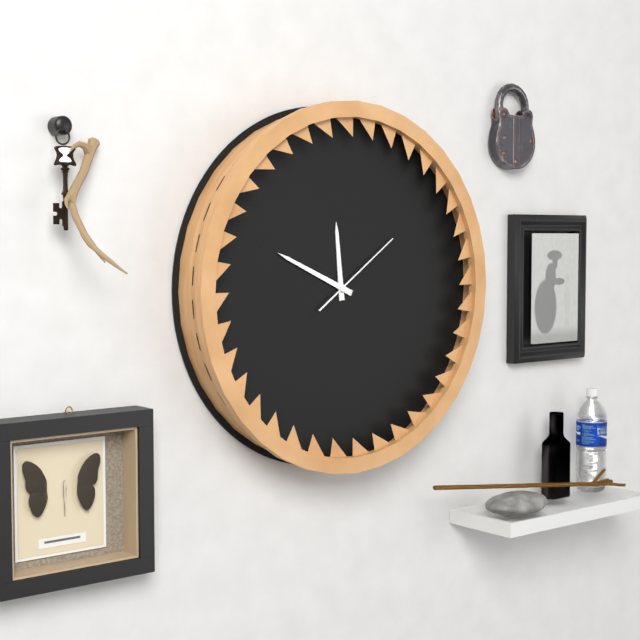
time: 11:49:09
